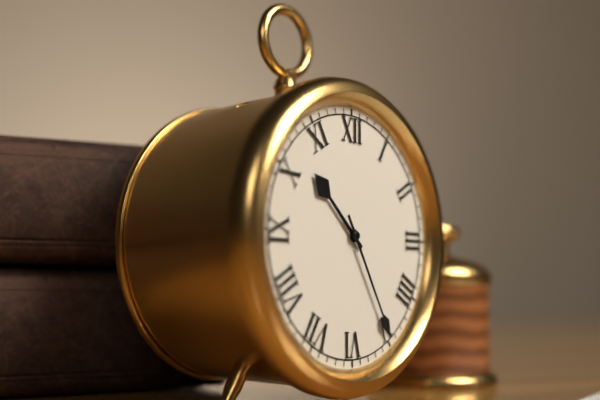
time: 10:25
